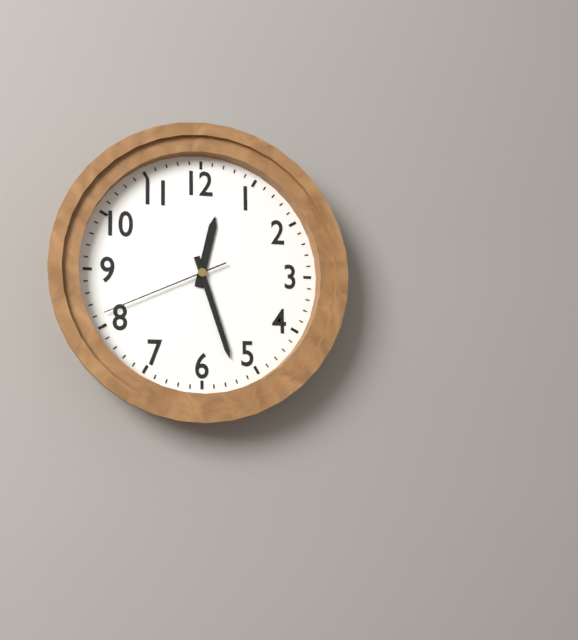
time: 12:27:41
